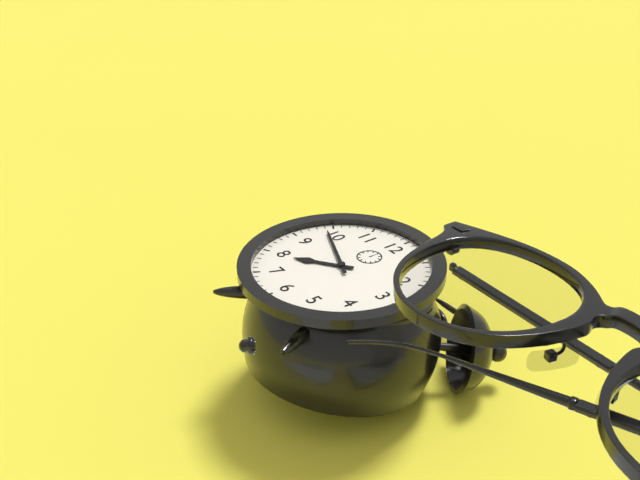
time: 7:49
